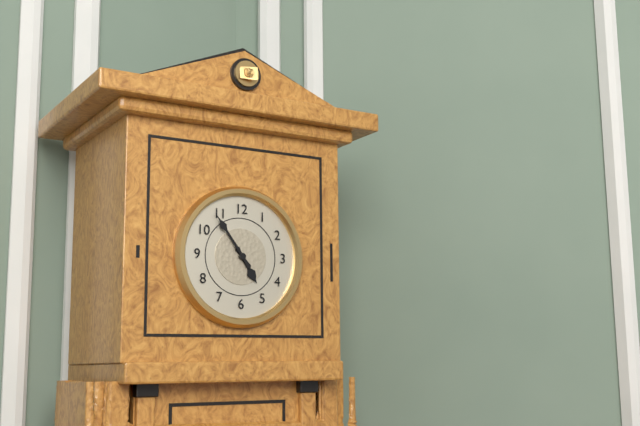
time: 4:54
